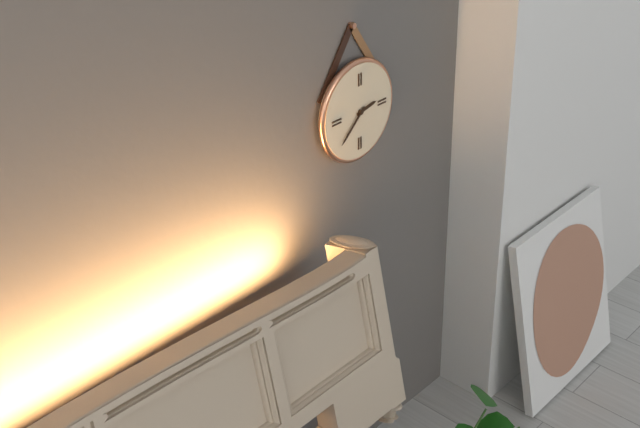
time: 2:38
